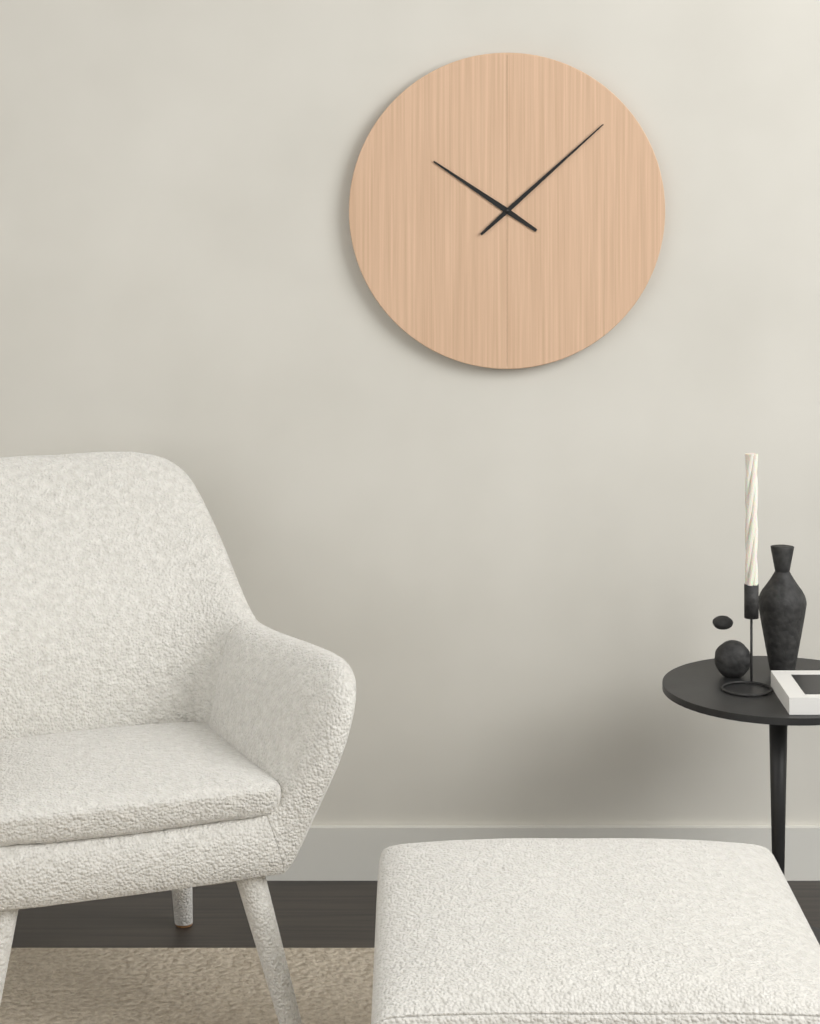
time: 10:08
